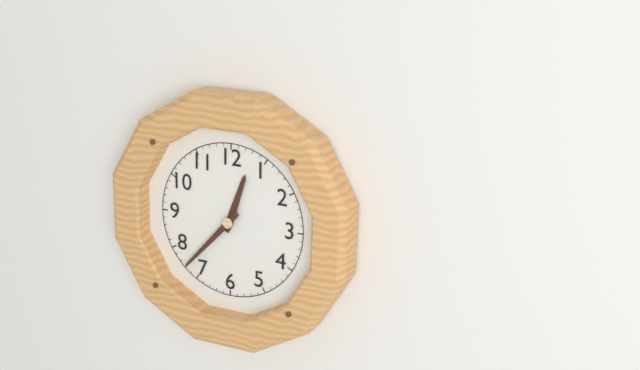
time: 12:37
